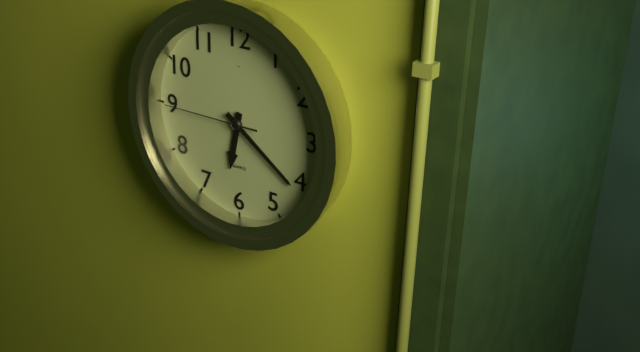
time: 6:21:45
